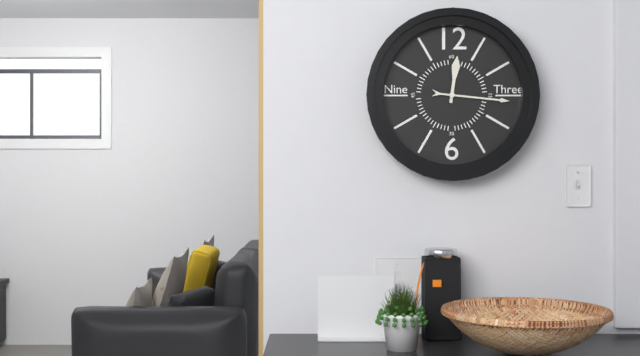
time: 12:16
